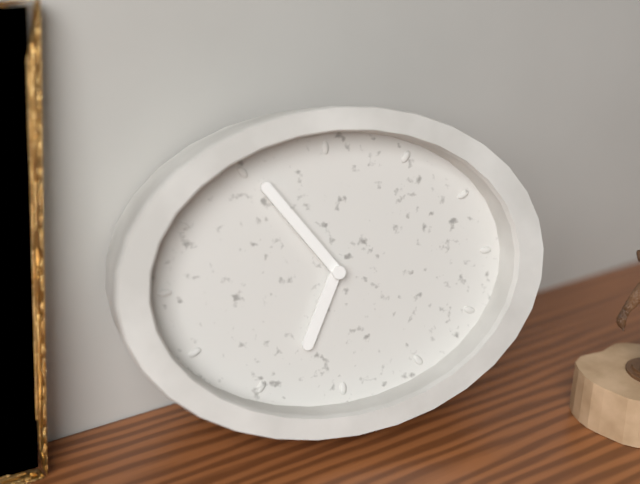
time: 6:54
